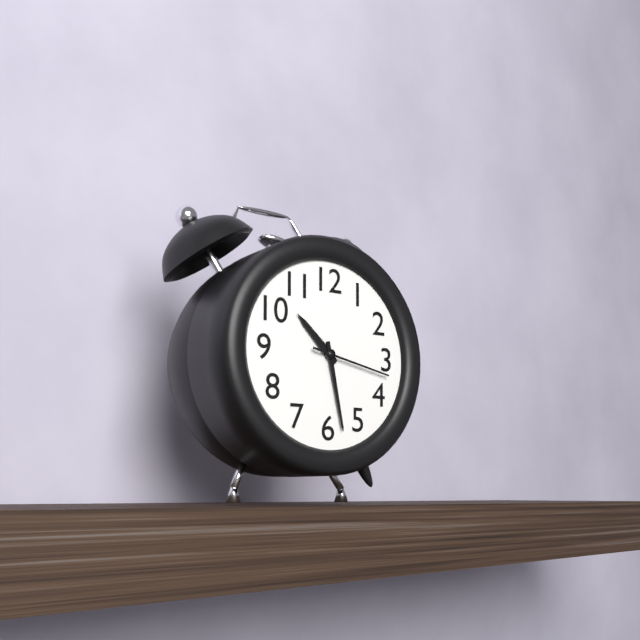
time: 10:28:17
